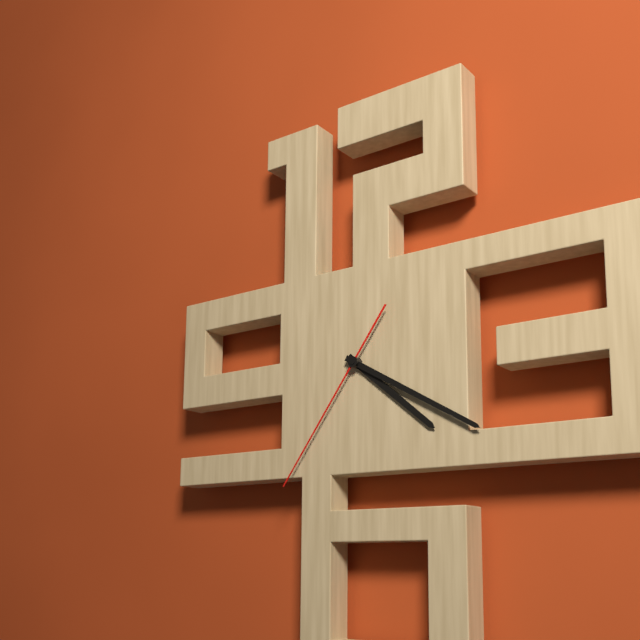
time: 4:20:36
